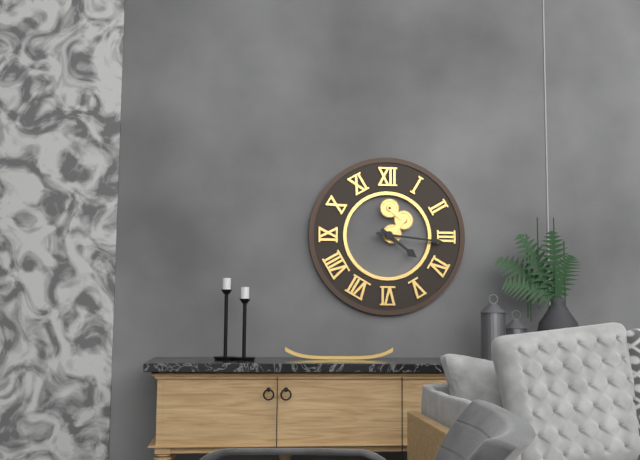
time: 4:16
